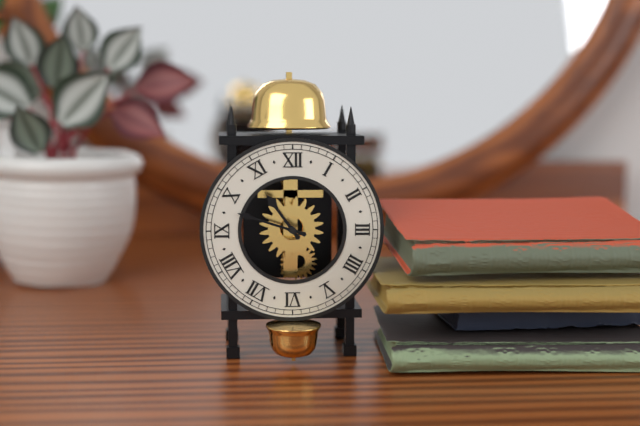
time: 10:48
